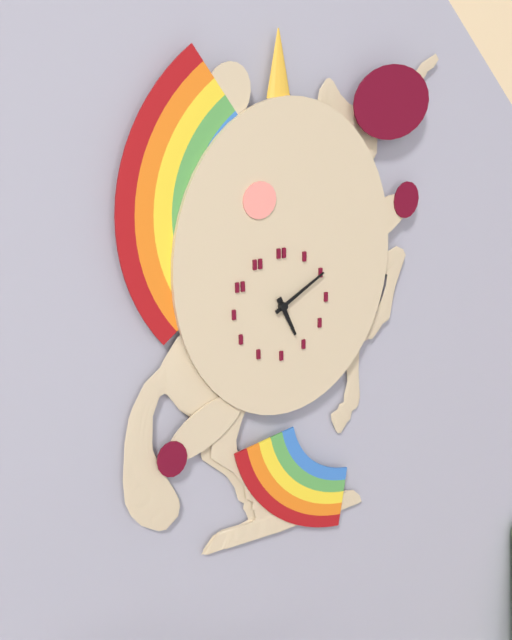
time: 5:10
